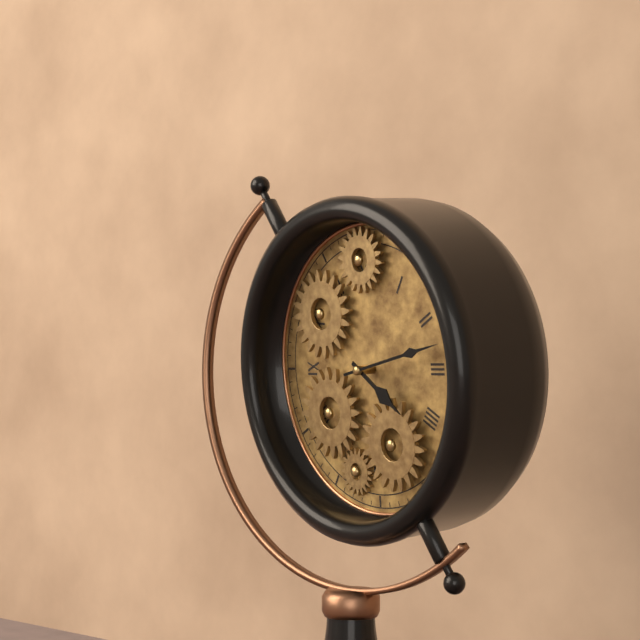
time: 4:13
